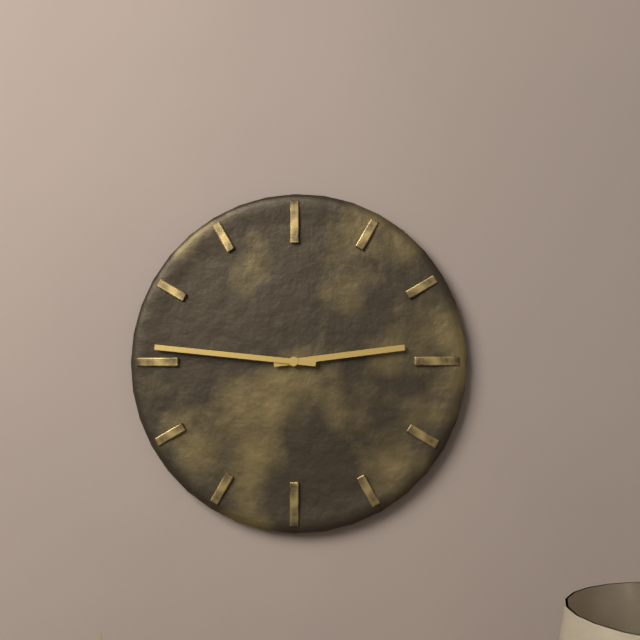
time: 2:46
